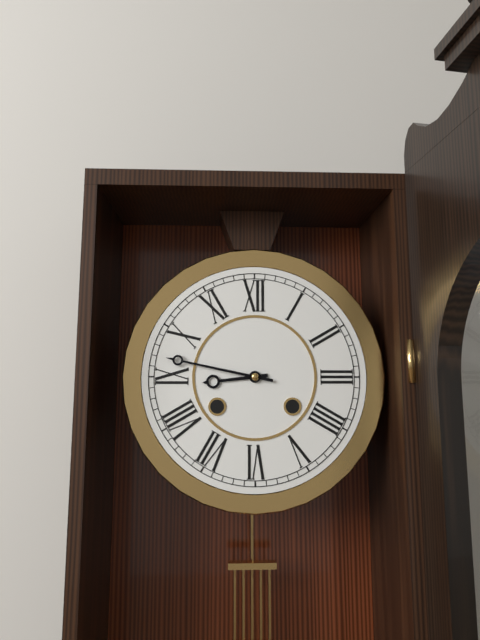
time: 8:47
